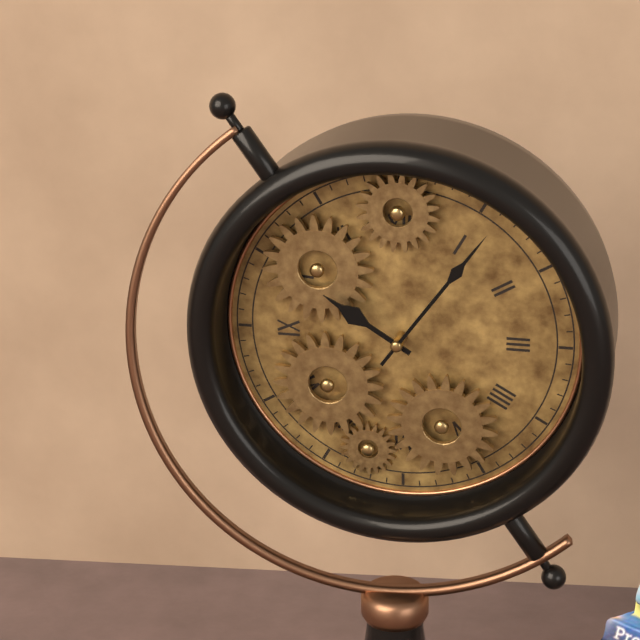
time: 10:06
